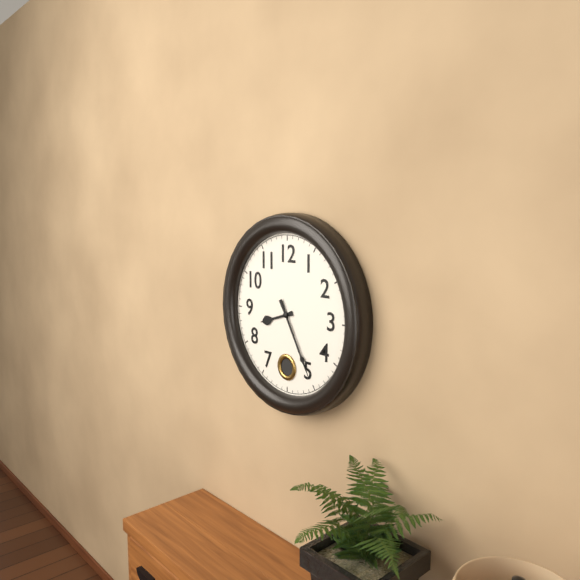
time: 8:25
